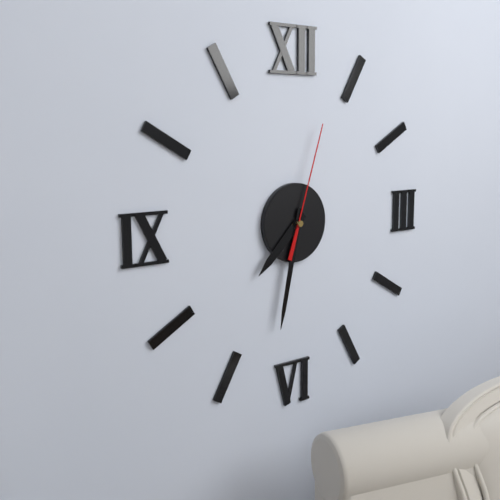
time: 7:32:03
